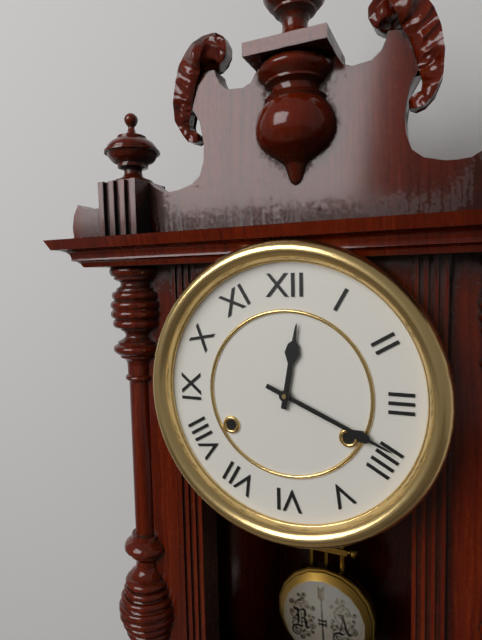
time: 12:19
